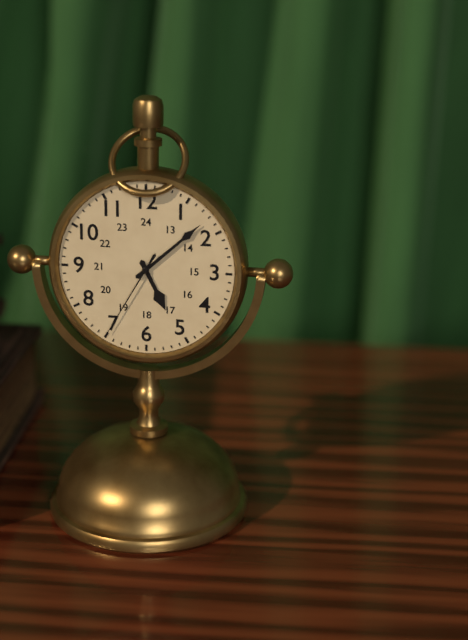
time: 5:08:35
